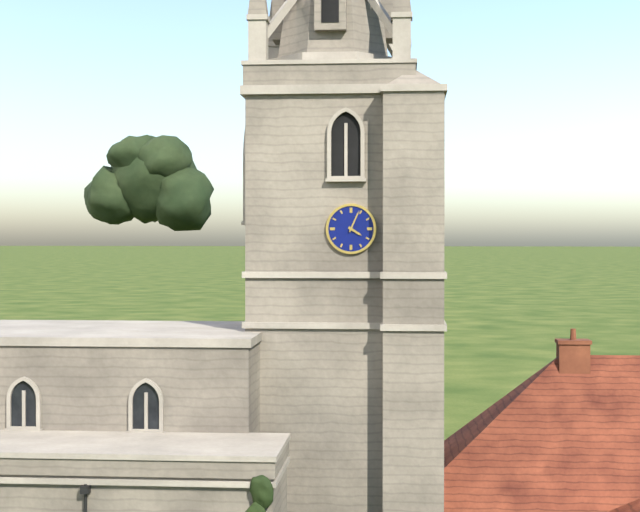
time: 4:04
